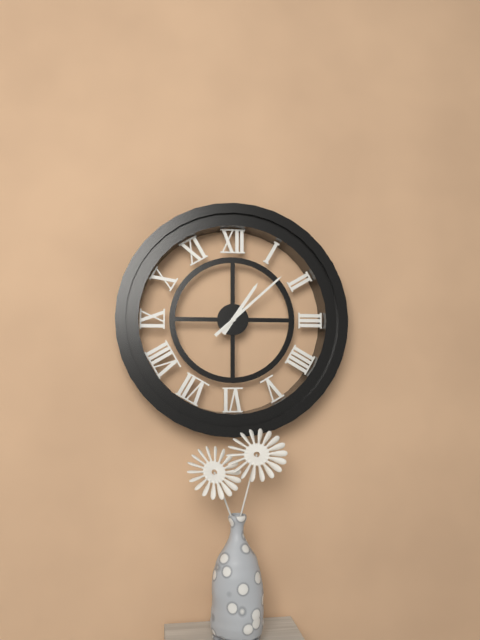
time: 1:08
